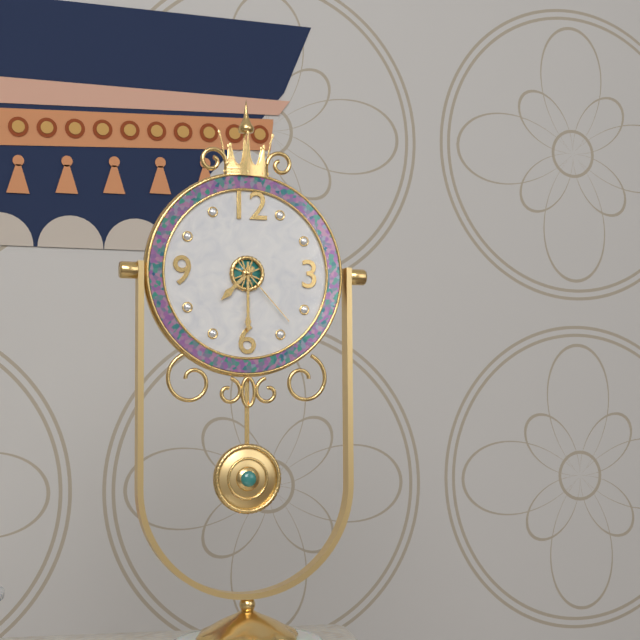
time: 7:30:23
